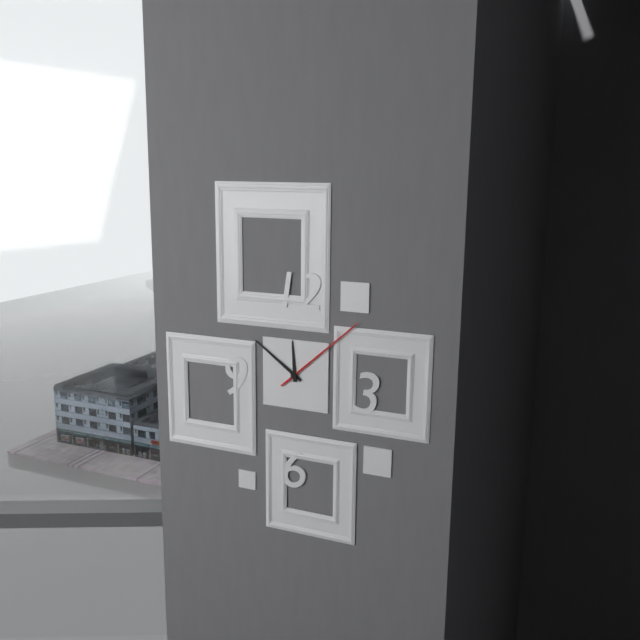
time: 11:51:08
